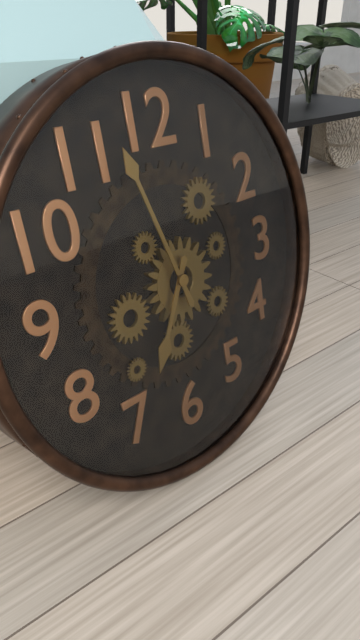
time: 6:57
